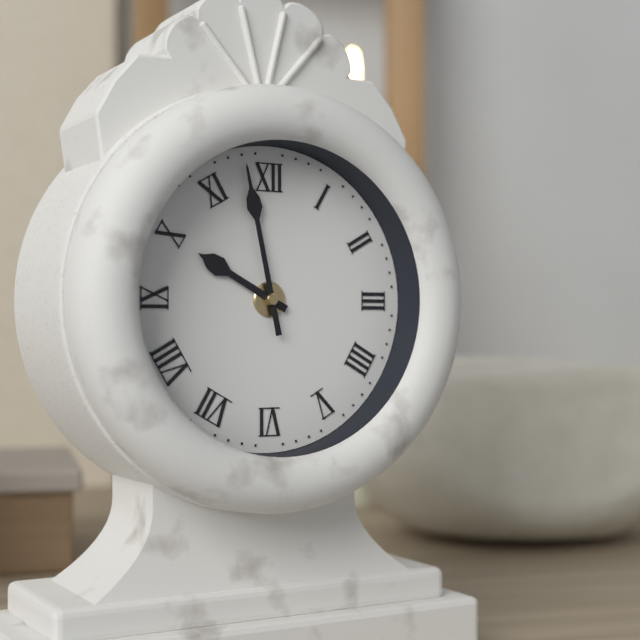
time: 9:58
